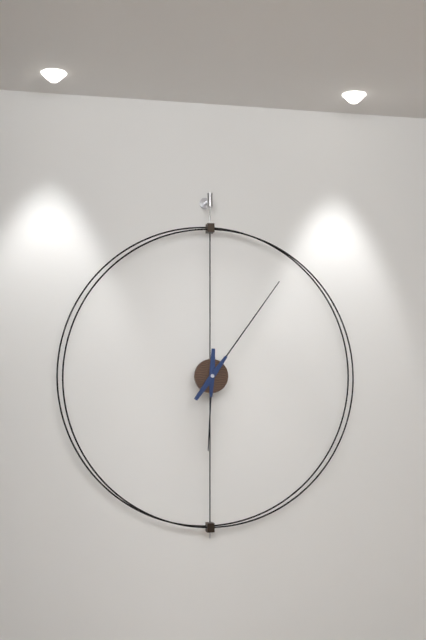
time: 6:06
